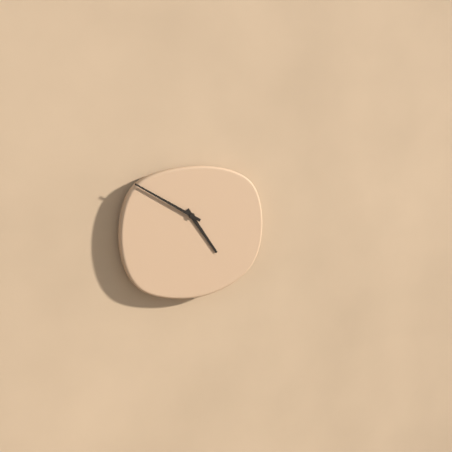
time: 4:50
